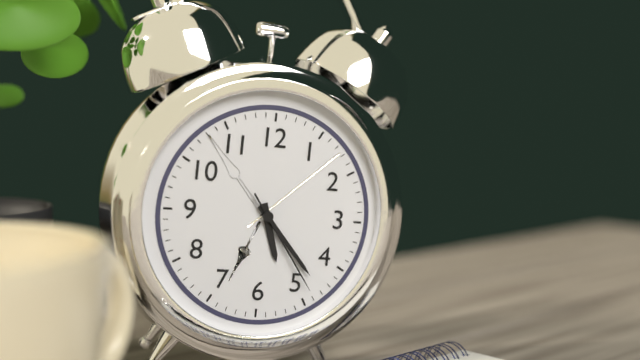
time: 5:23:24
